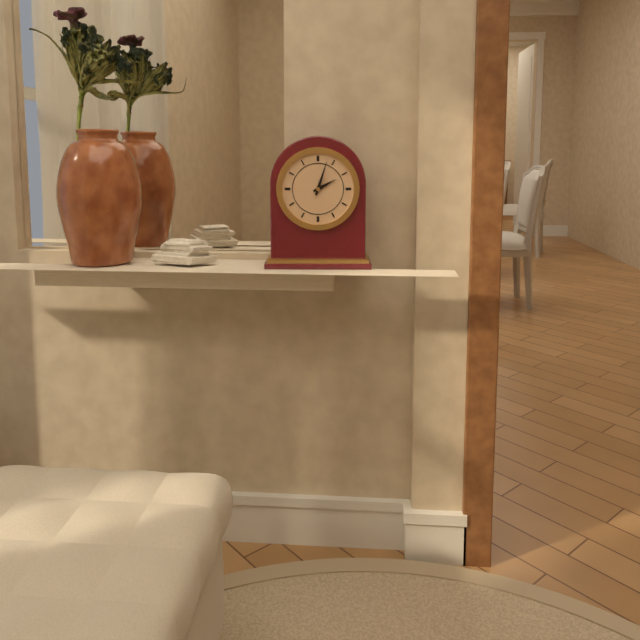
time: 2:03
